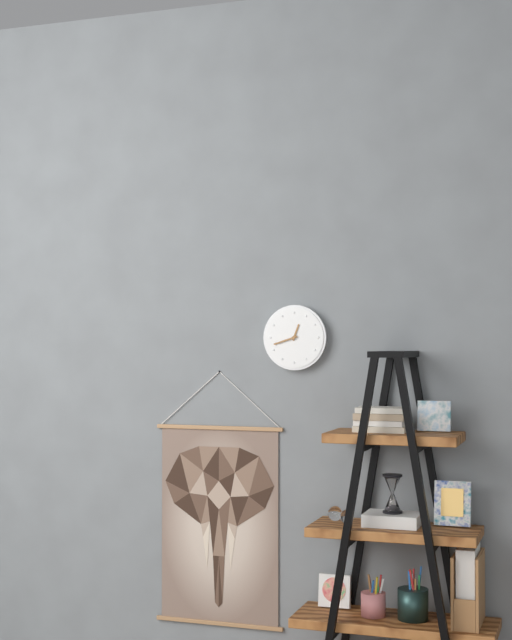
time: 12:42
